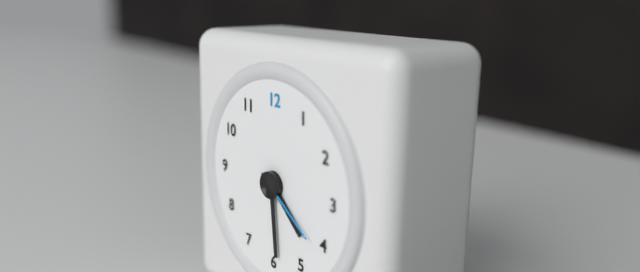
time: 4:29:21
